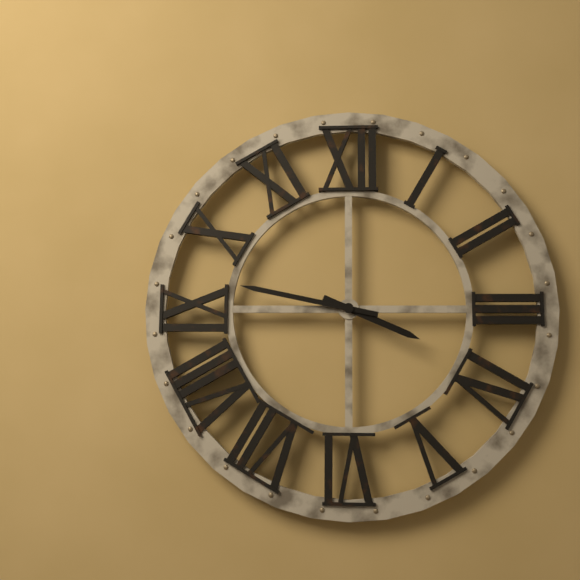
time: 3:47
